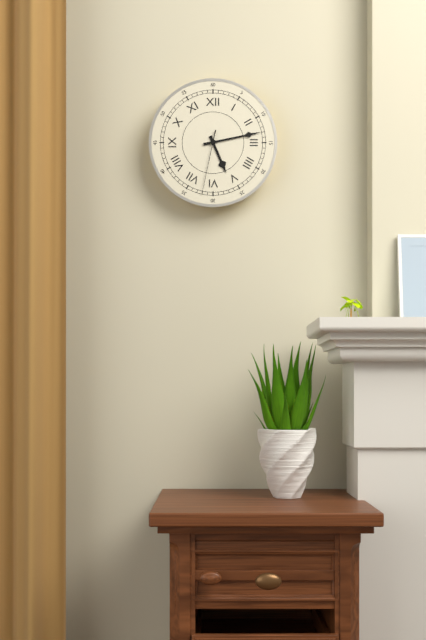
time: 5:13:32
